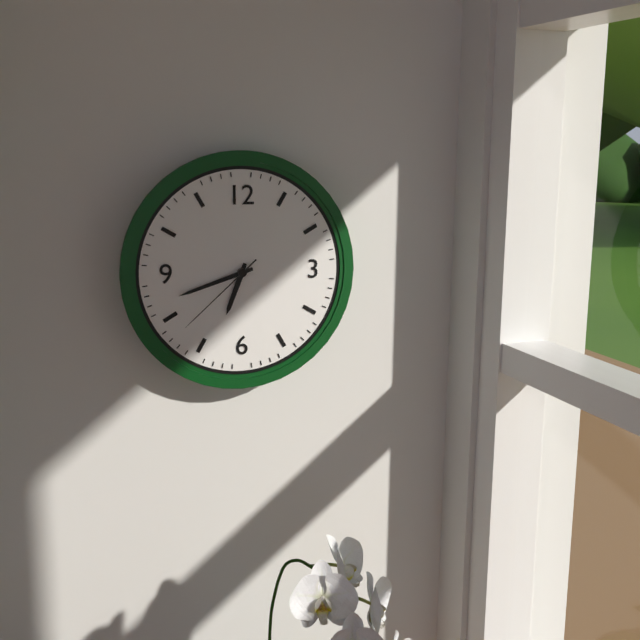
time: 6:42:38
